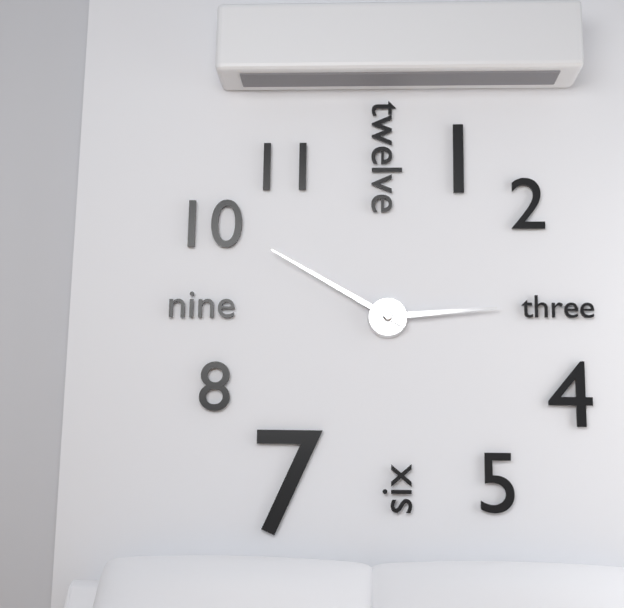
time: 2:50
